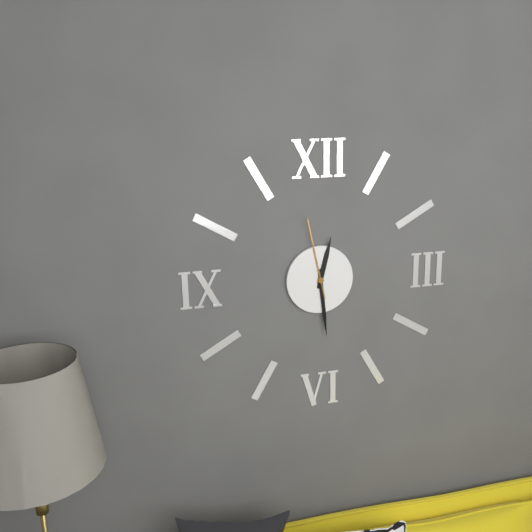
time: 12:29:58
